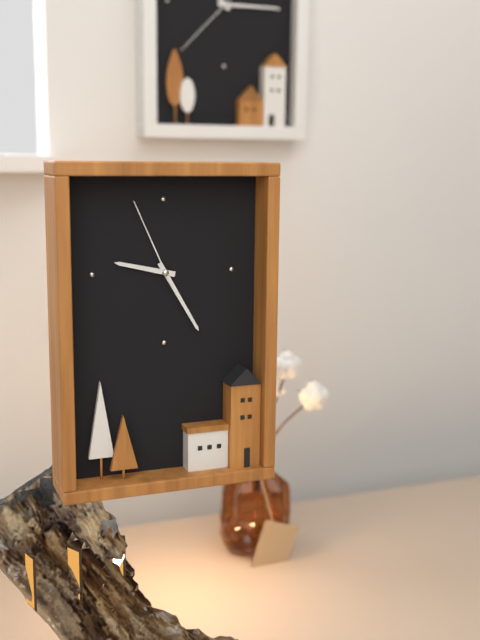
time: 9:25:56
